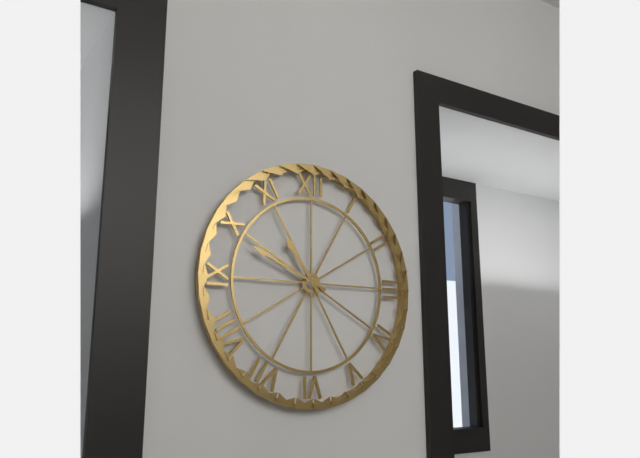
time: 10:49
